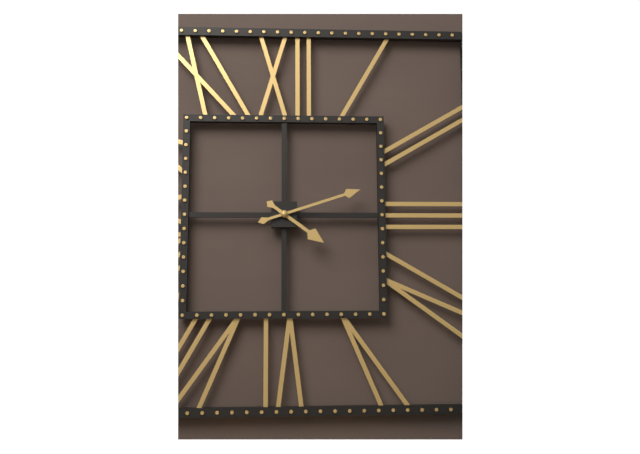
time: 4:12
